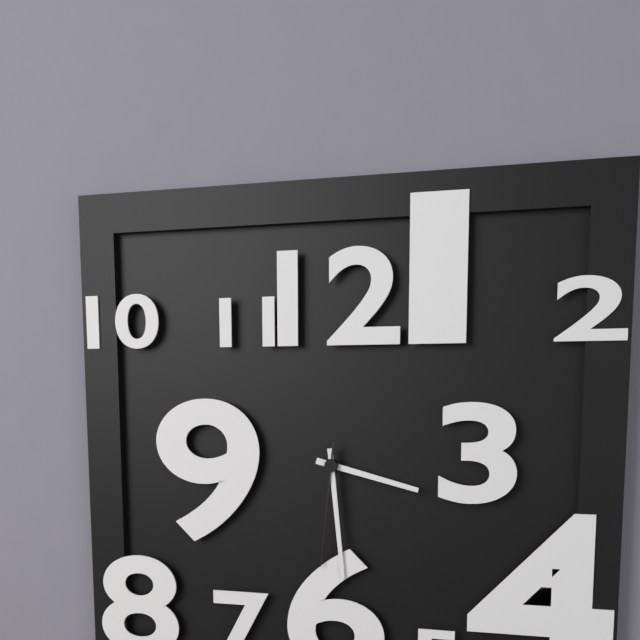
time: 3:29:31
